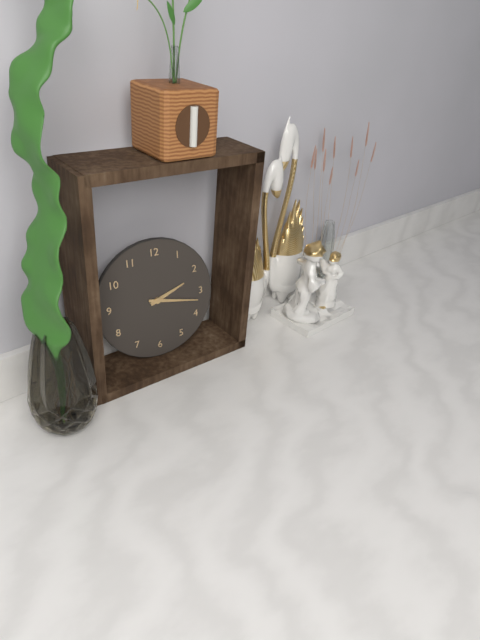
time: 2:17
